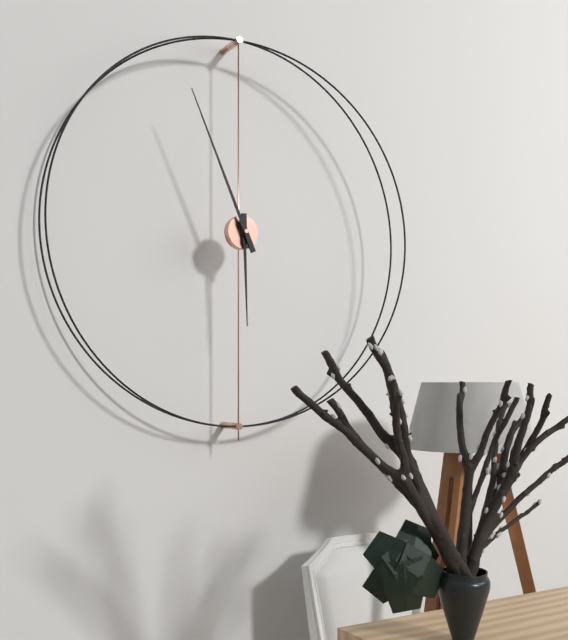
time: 5:56
